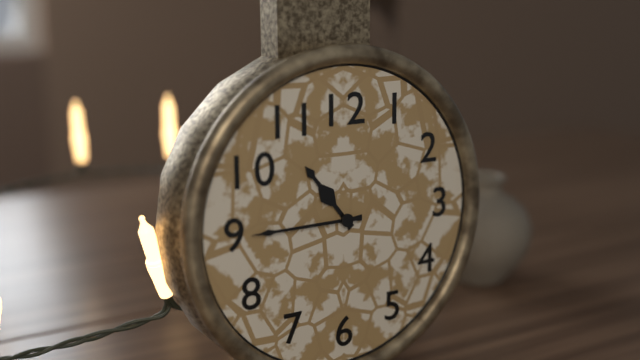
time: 10:45
